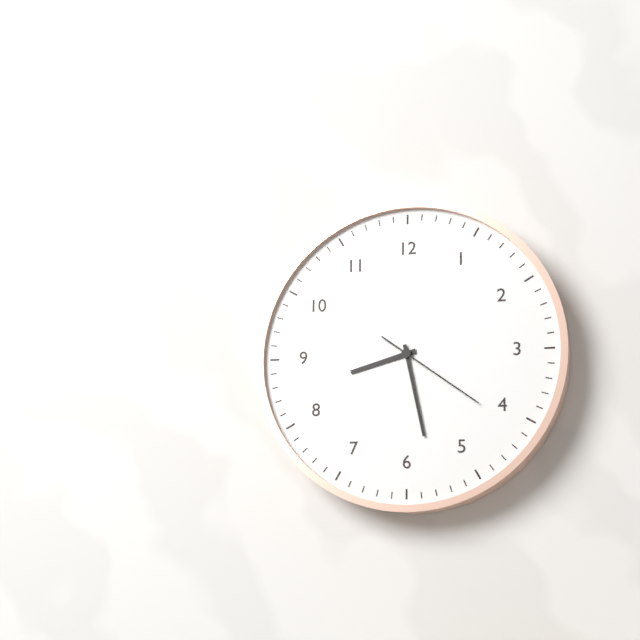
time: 8:28:21
